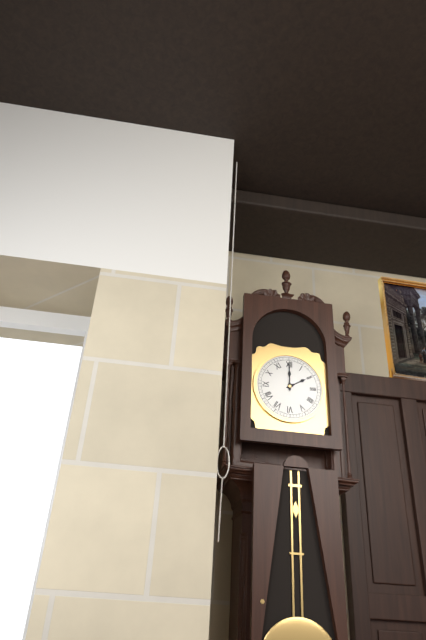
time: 2:00
